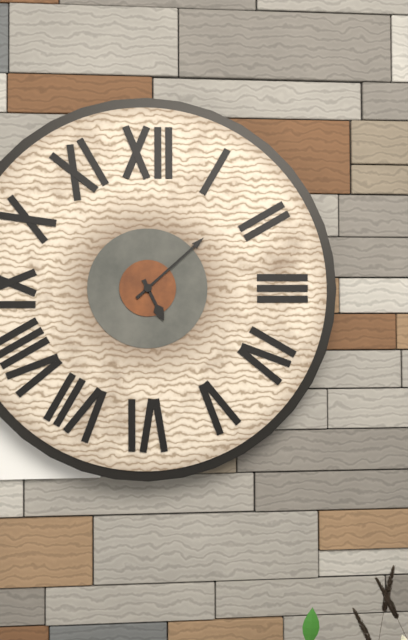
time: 5:08
